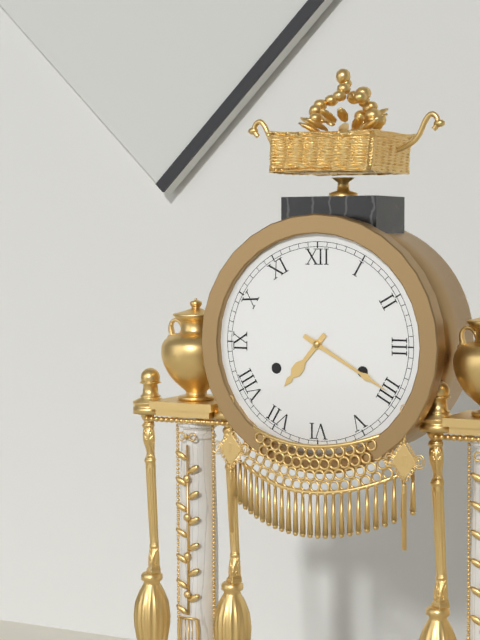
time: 7:20
